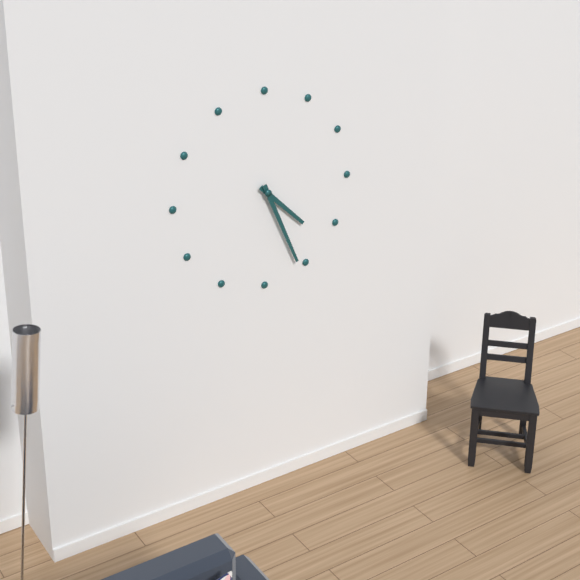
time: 4:26
